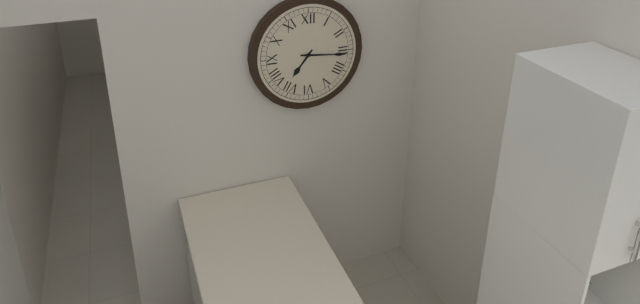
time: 7:16
